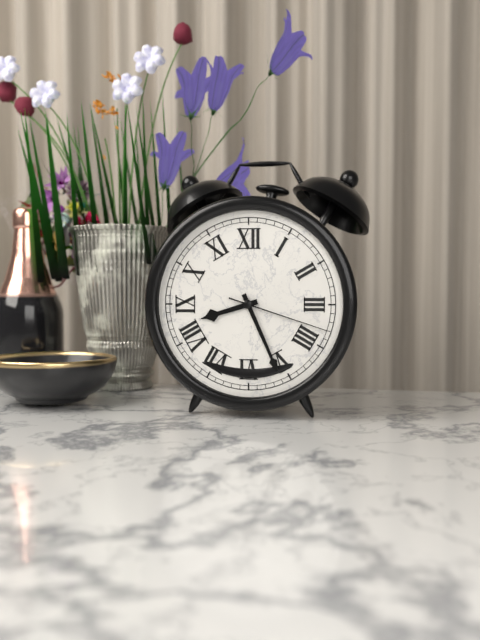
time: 8:26:18
